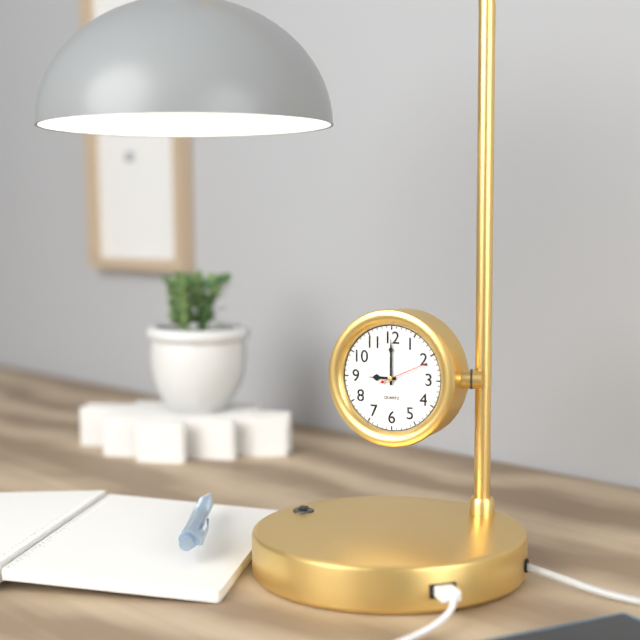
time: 9:00:11
